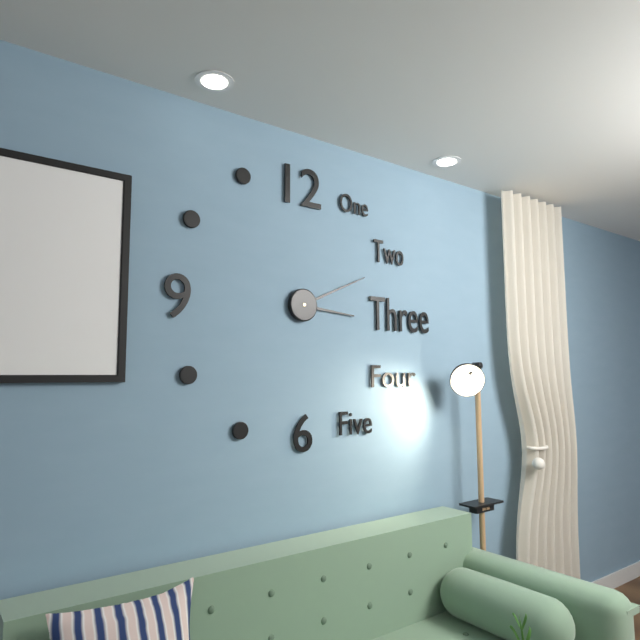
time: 3:11
